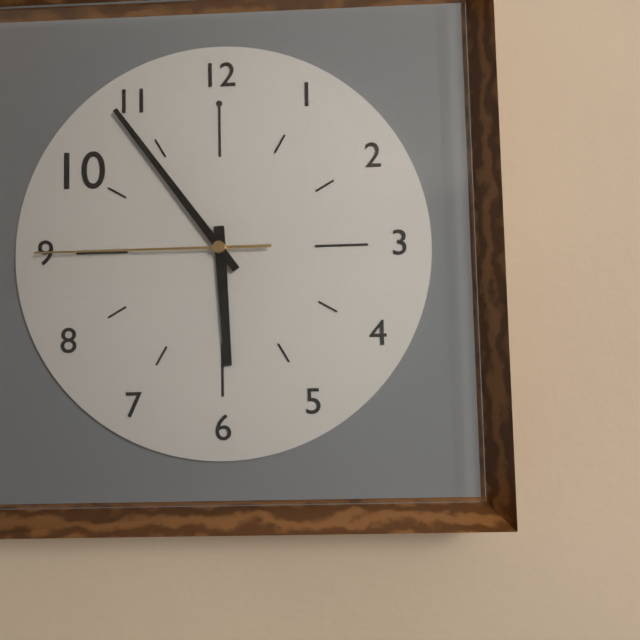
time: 5:54:45
